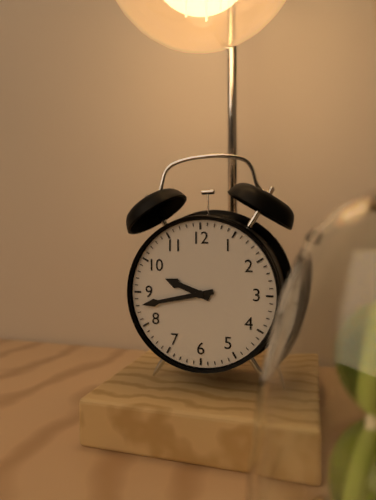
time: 9:43
